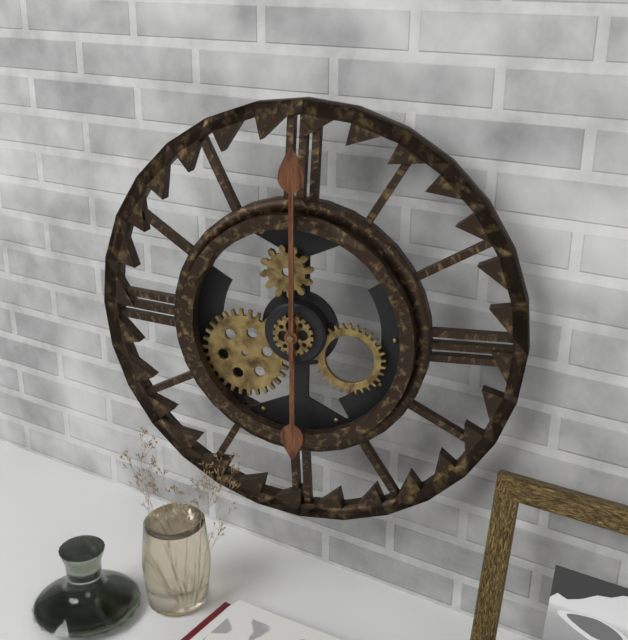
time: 6:00
